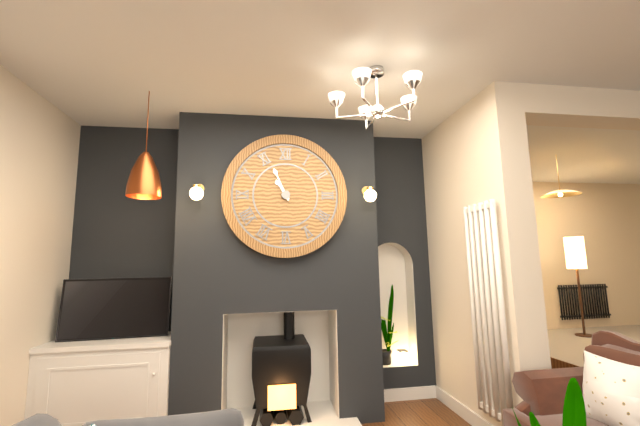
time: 10:56
